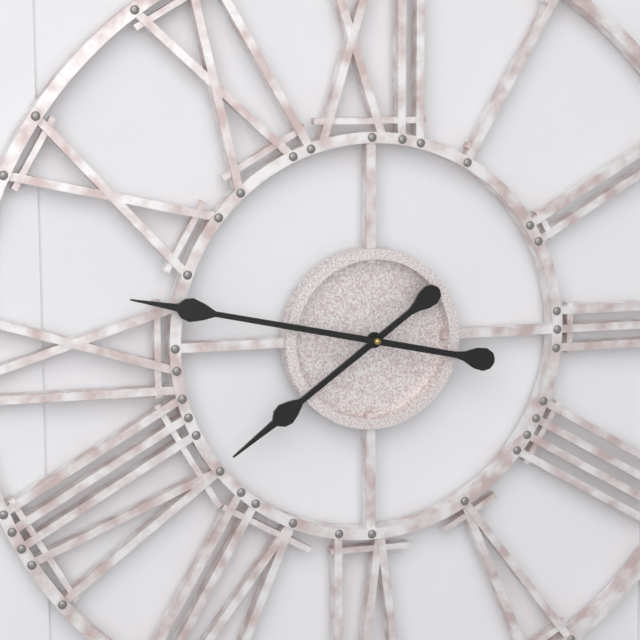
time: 7:47
